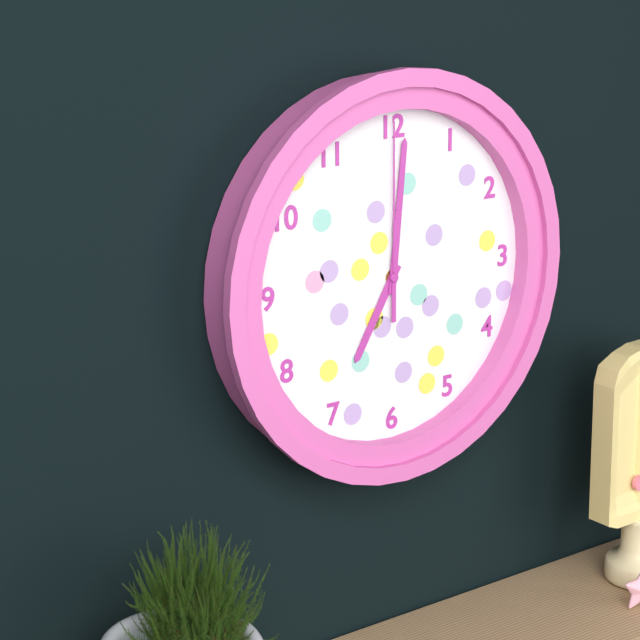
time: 7:01:00
